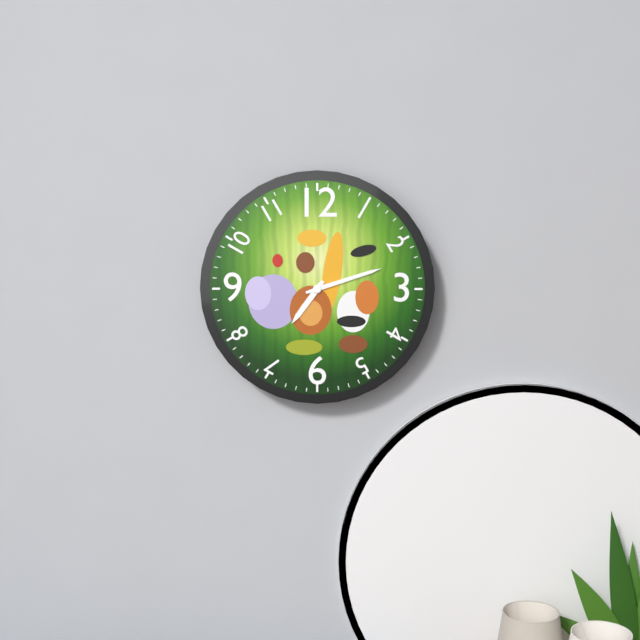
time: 7:12
